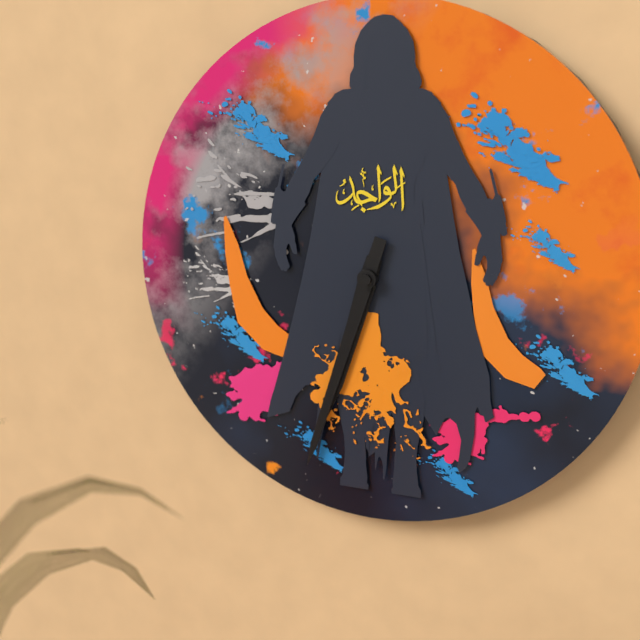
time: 6:33
